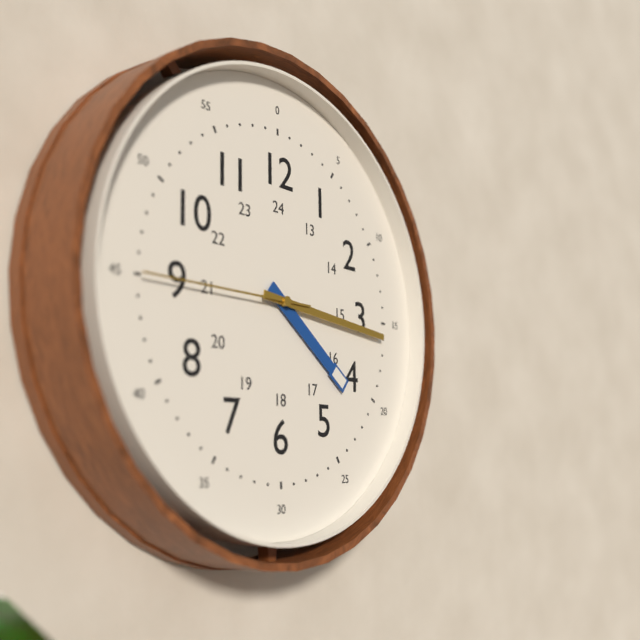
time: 4:16:45
